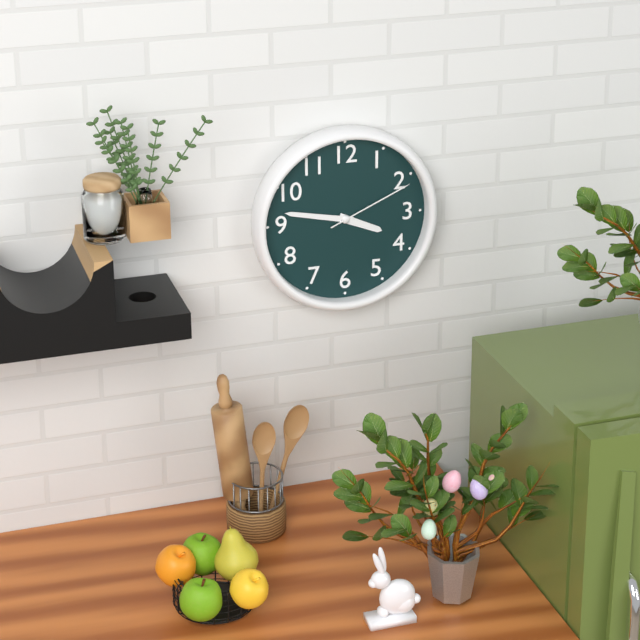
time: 3:47:11
